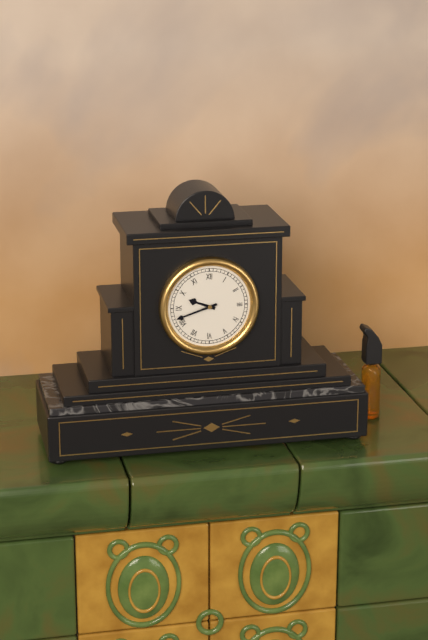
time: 9:42
